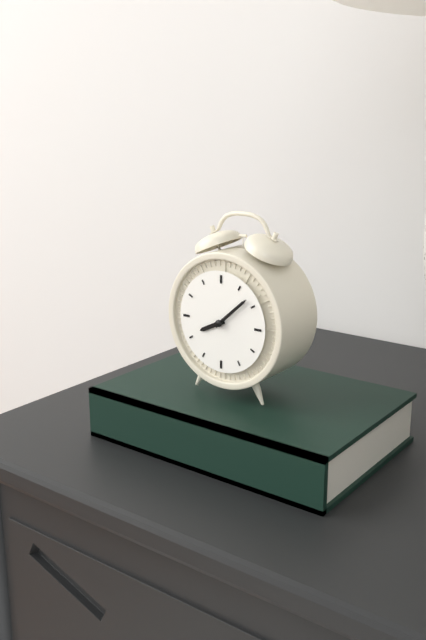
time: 8:08
